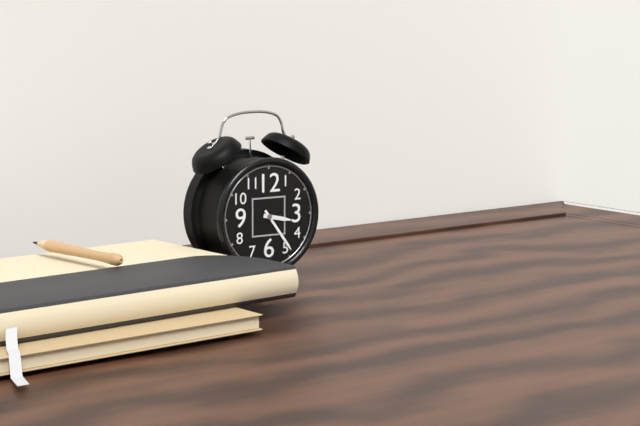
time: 3:24
